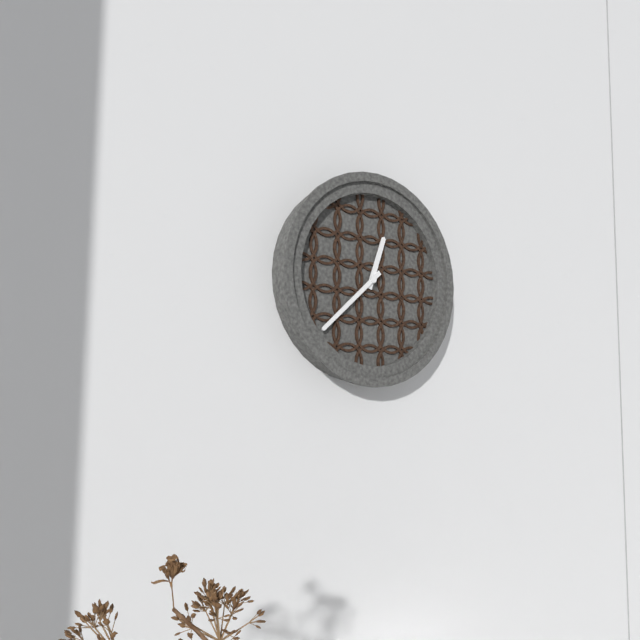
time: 12:38
